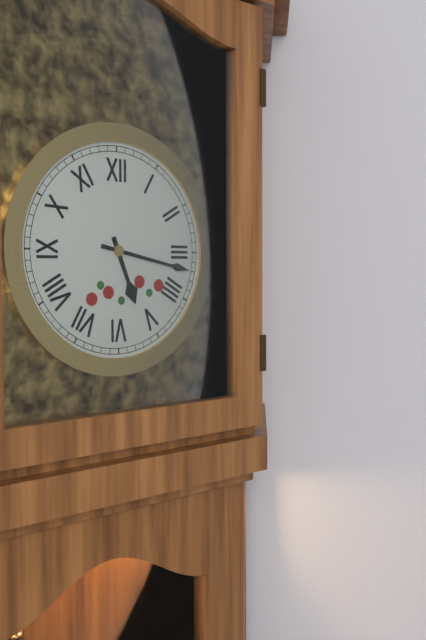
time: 5:17
